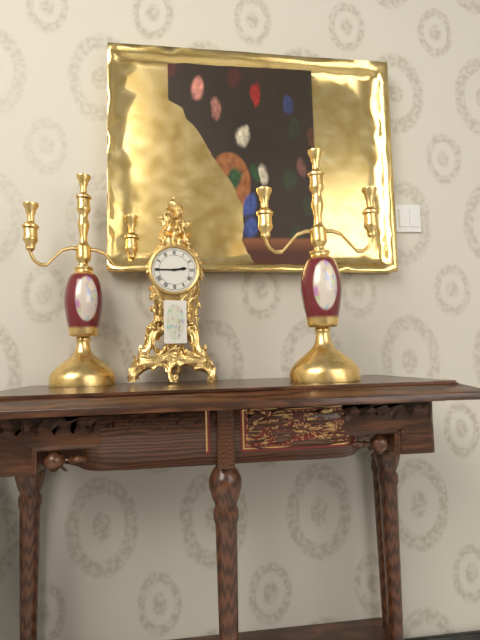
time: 2:45
